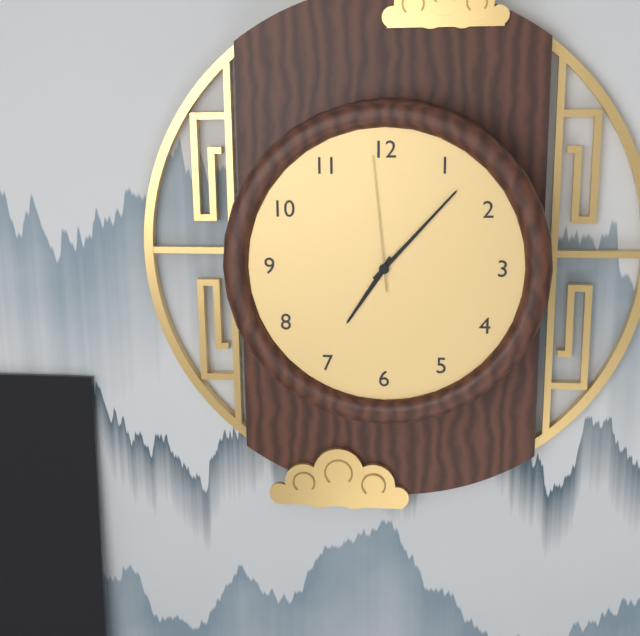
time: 7:07:59
